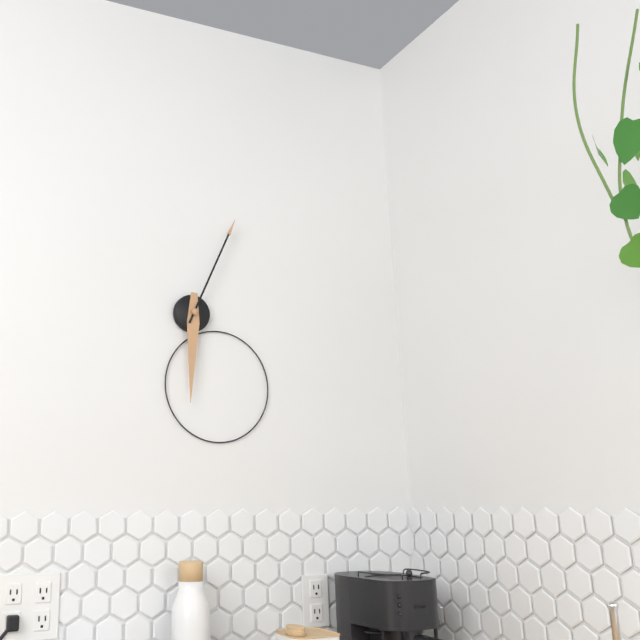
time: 6:04
